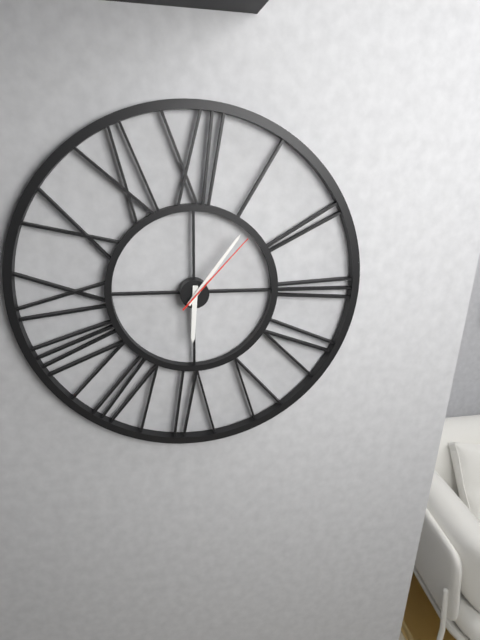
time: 6:06:07
